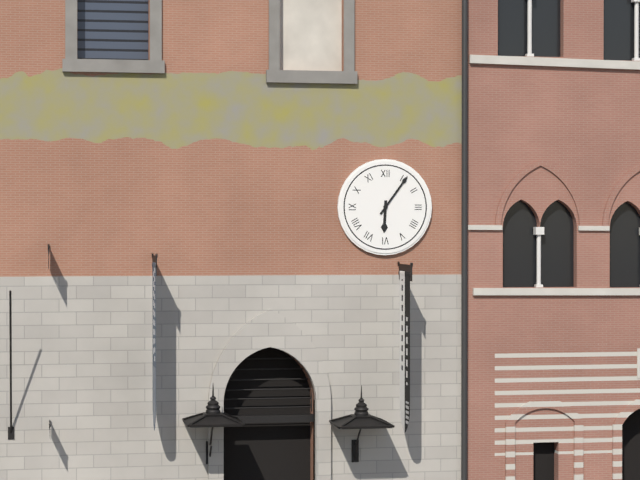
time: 6:06
